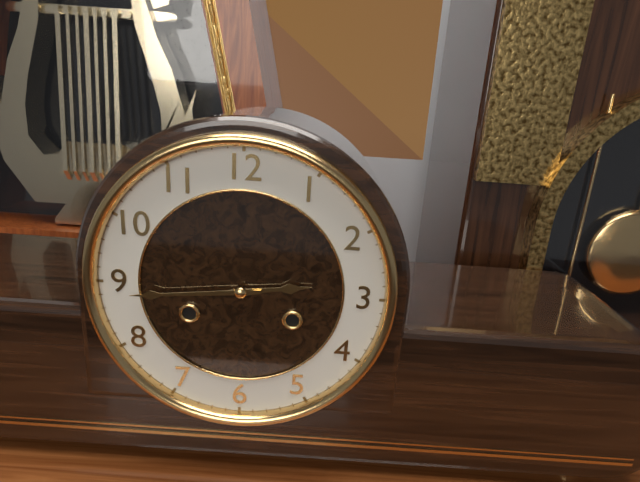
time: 2:44
